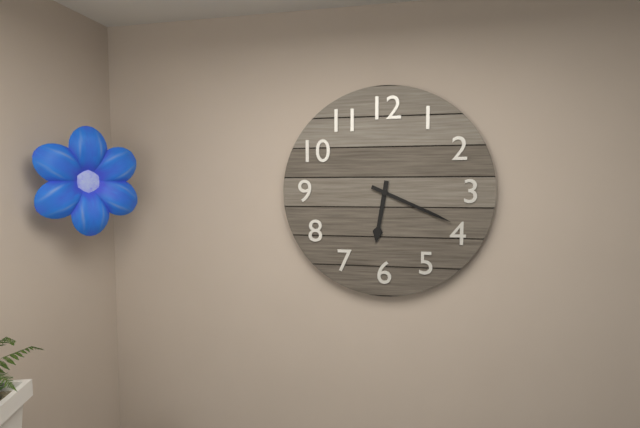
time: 6:19
